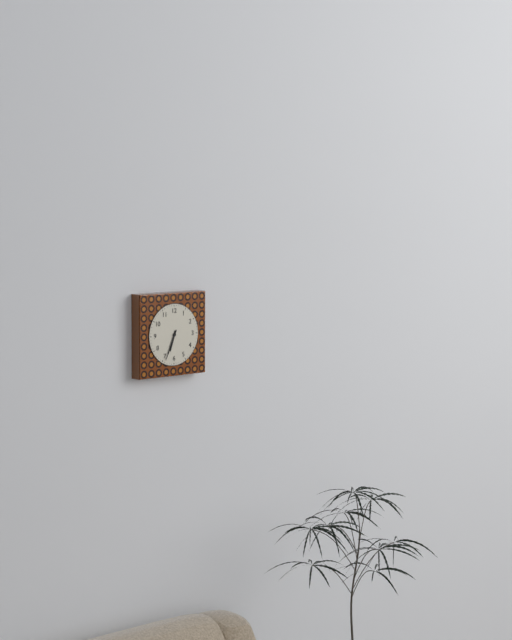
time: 6:34
